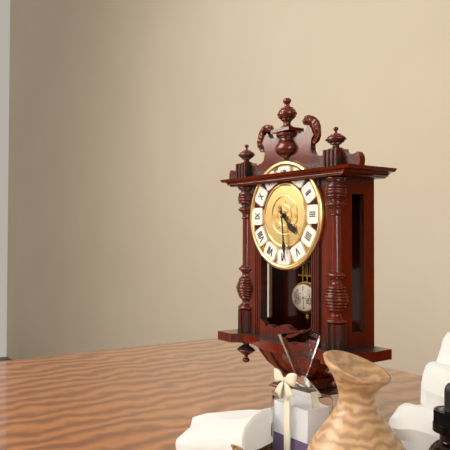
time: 4:29
